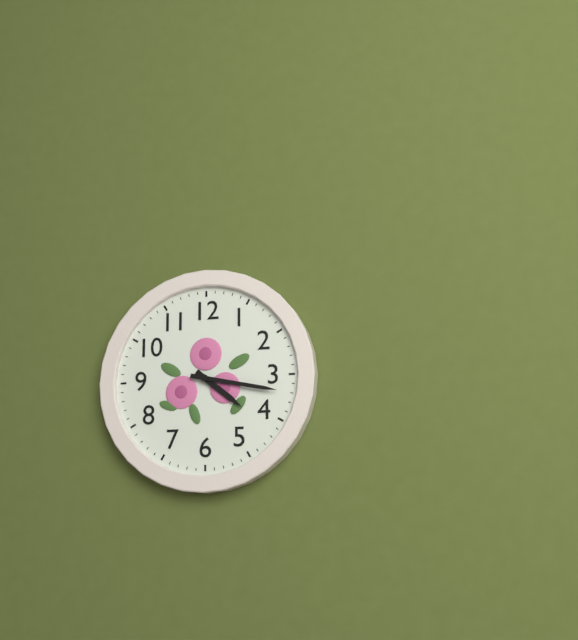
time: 4:17
